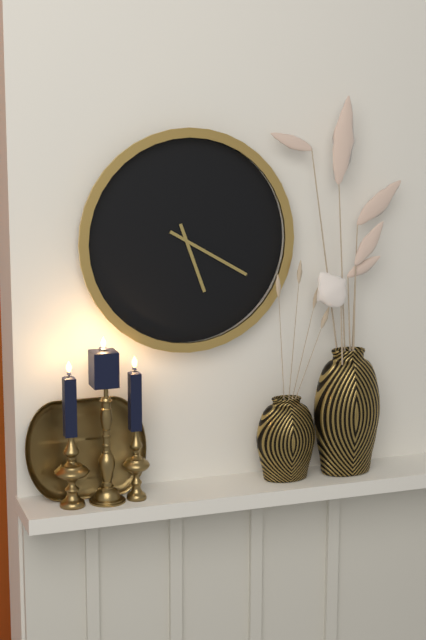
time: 5:20
